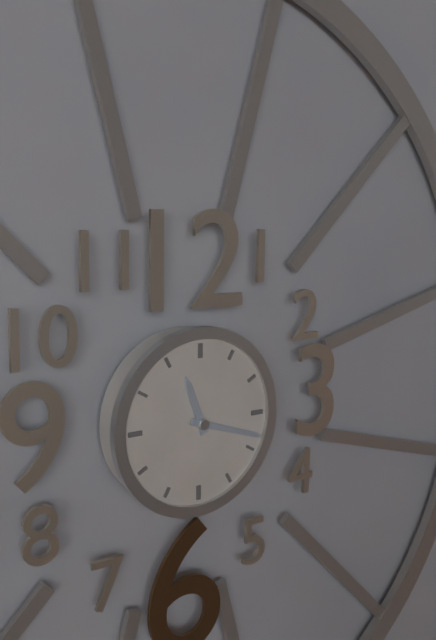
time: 11:18
